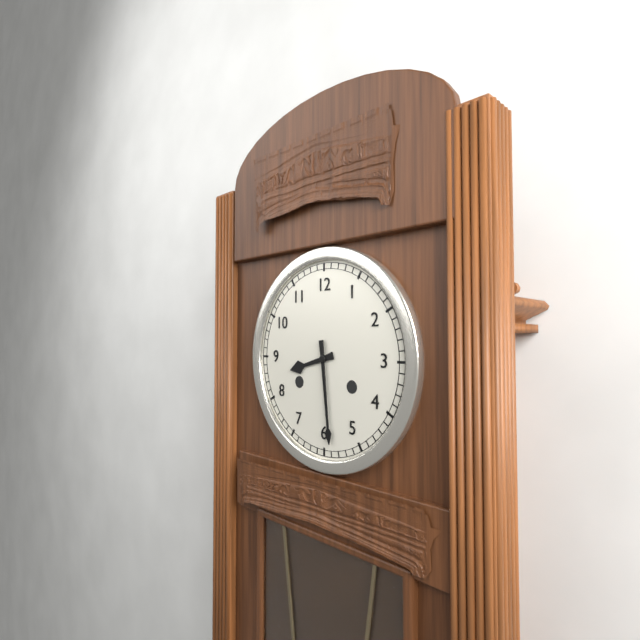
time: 8:29
